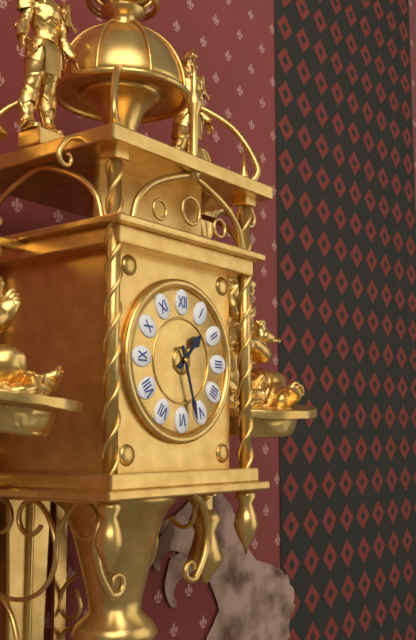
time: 1:27
